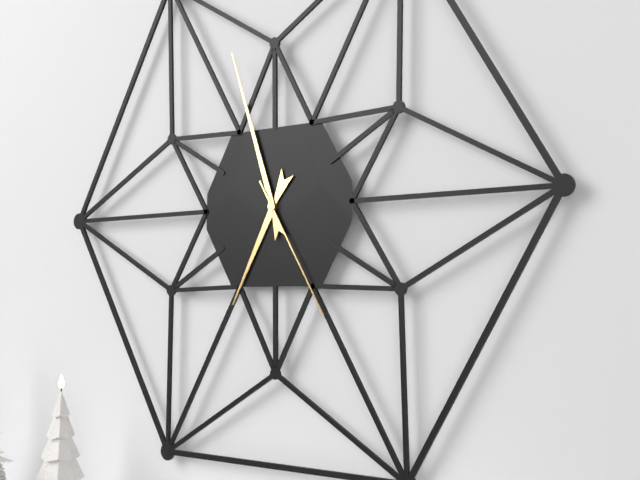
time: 6:57:25
